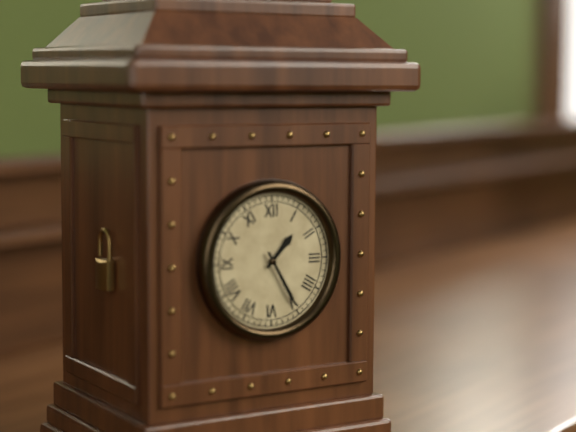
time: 1:25
